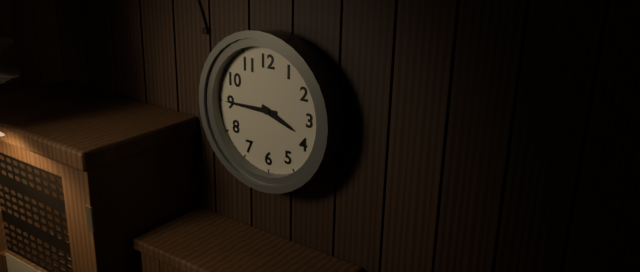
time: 3:45
